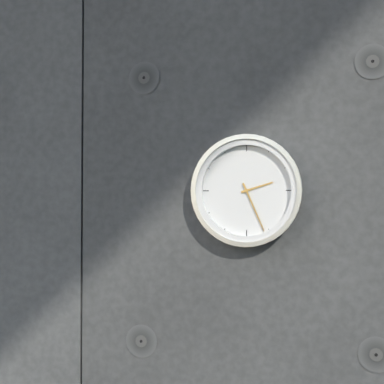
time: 2:26
